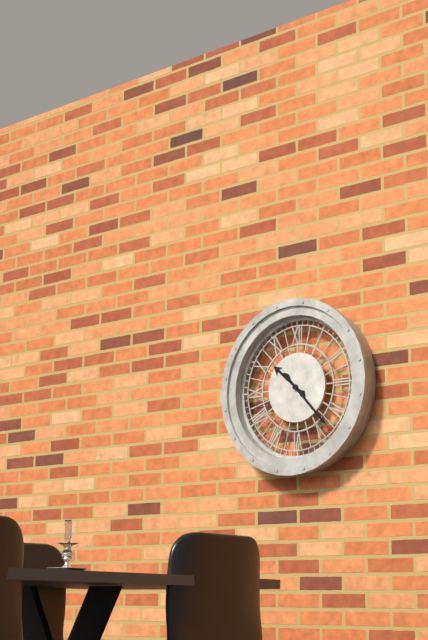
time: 10:23
